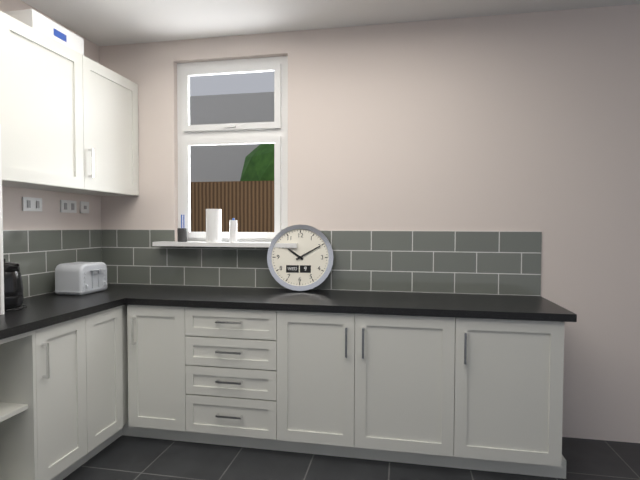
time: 10:10
